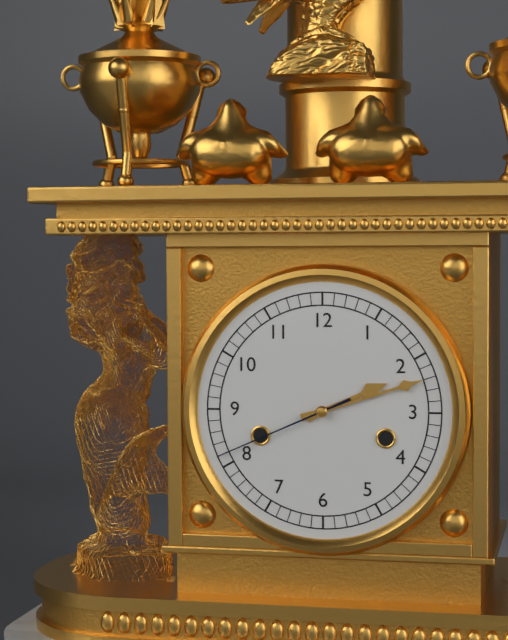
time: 2:12:41
